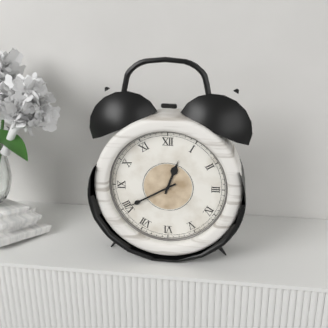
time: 12:40
